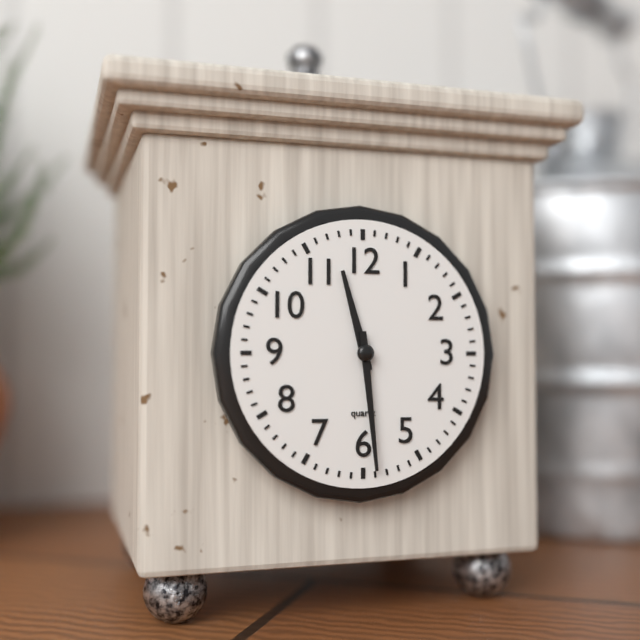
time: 11:29
